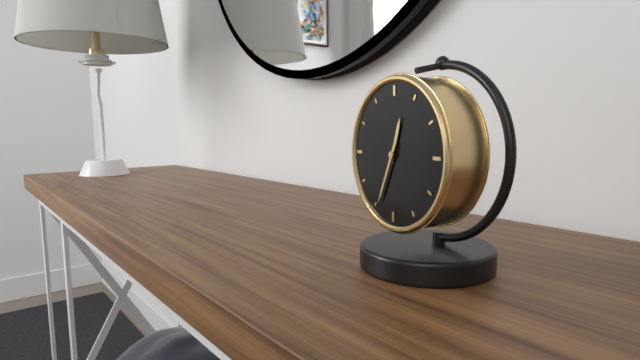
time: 12:34
